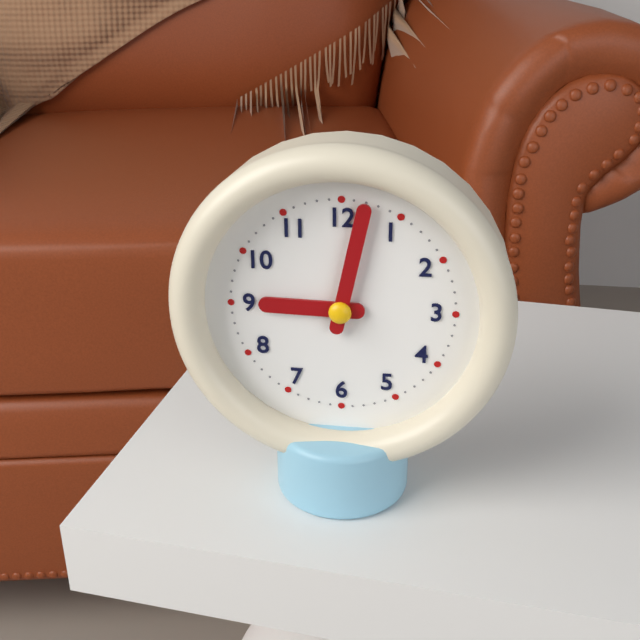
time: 9:02
